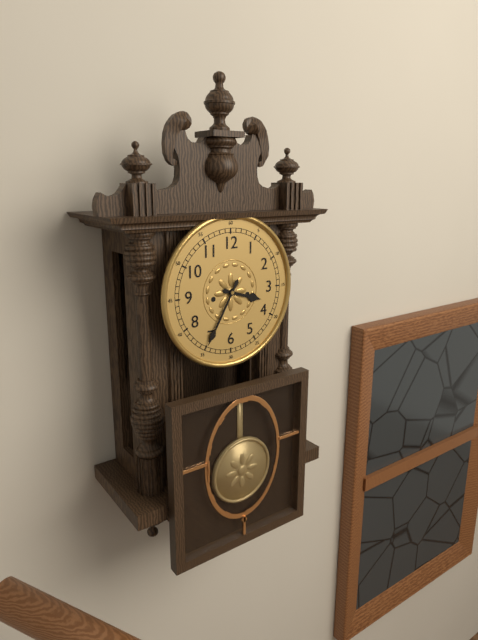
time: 3:35
